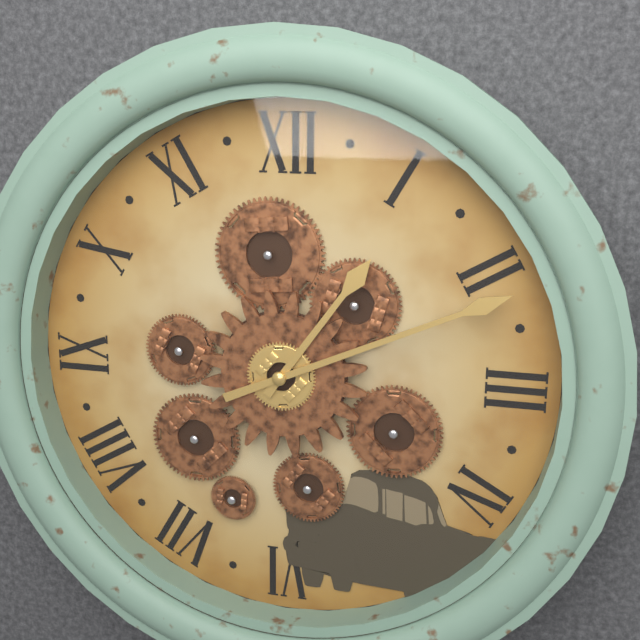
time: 1:11
